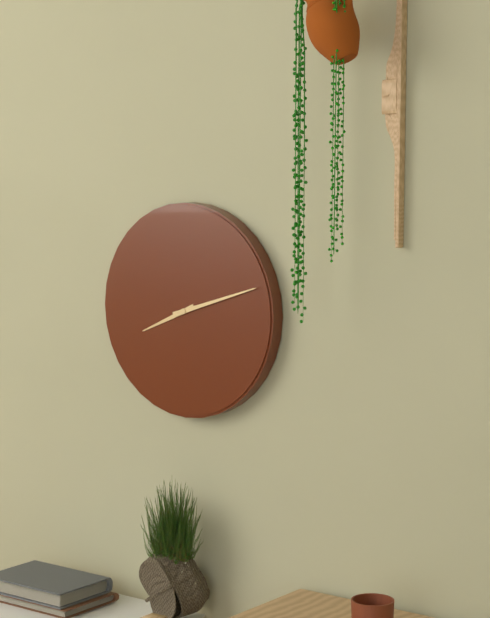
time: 8:12
